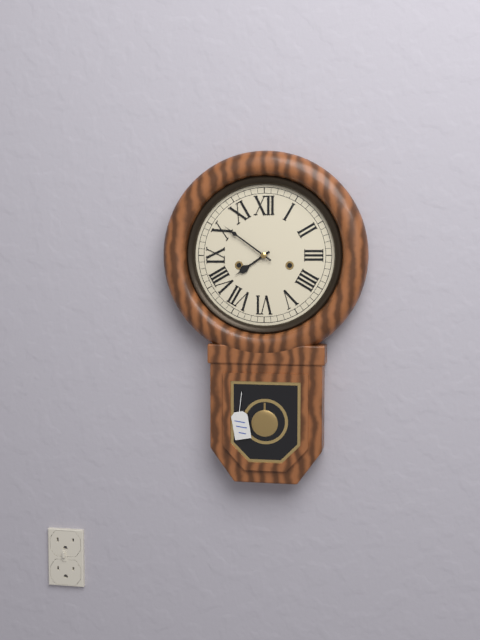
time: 7:51
